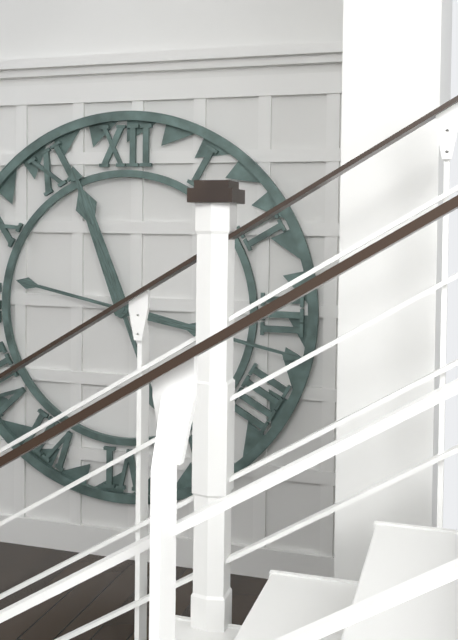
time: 11:17
